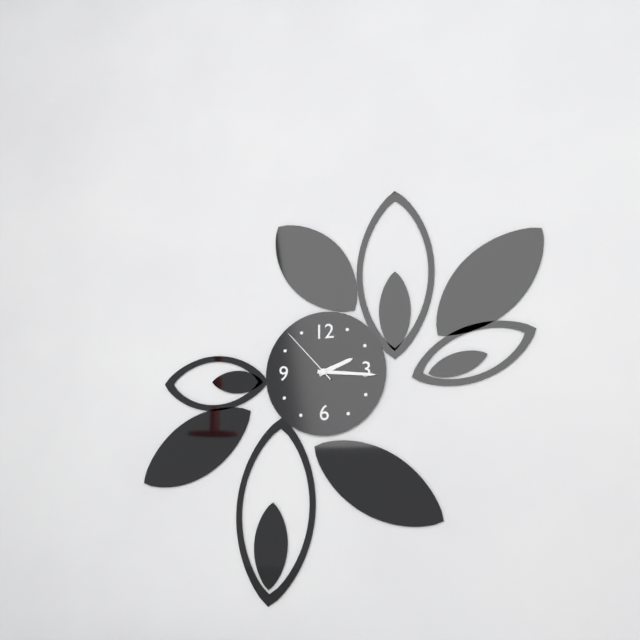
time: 2:16:53
